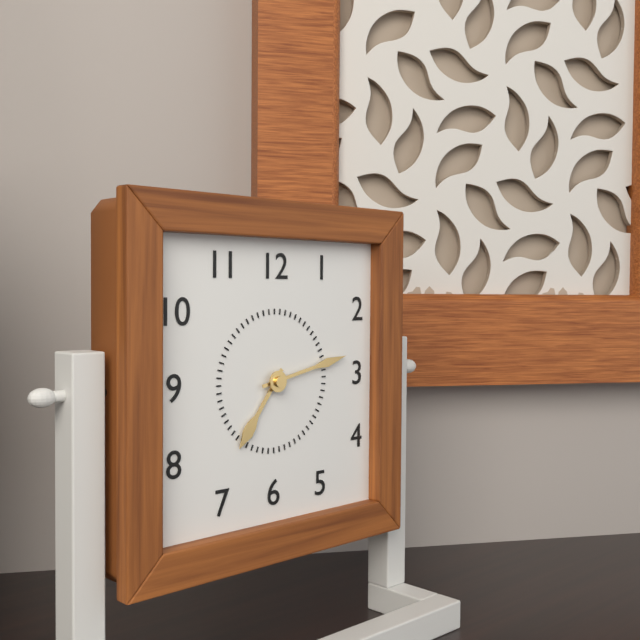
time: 7:13
